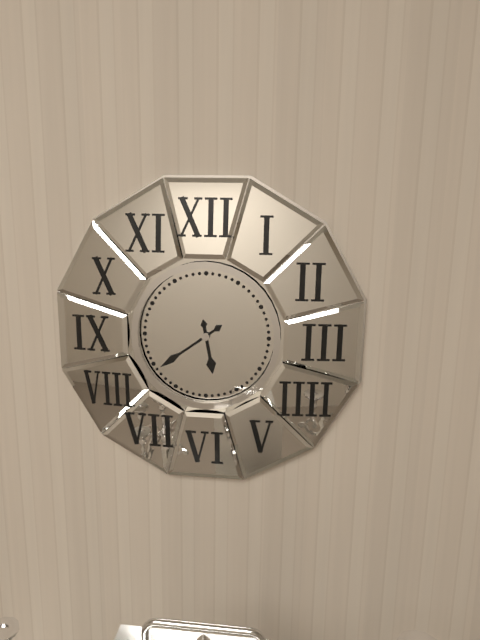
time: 5:39
